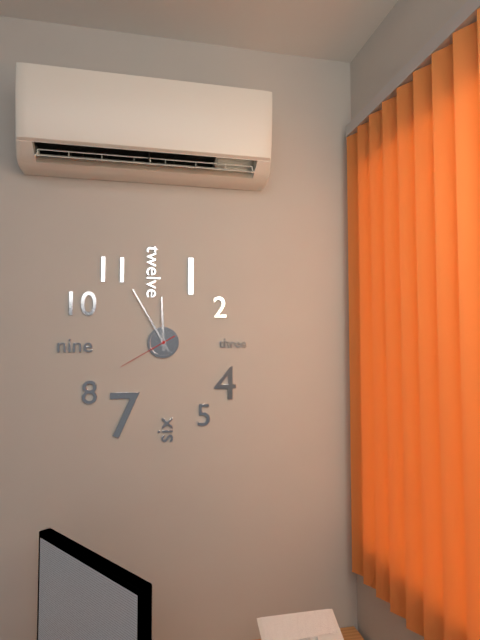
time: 11:55:40
